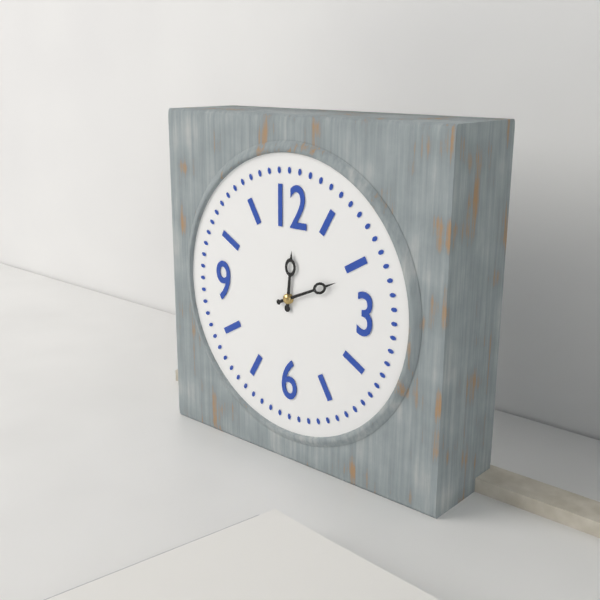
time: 12:11
